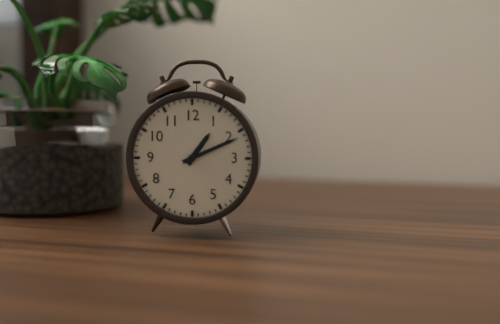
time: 1:11
